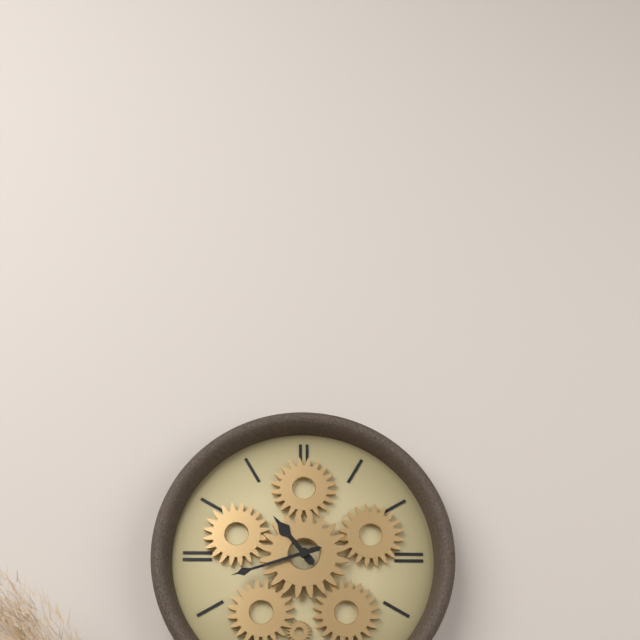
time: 10:42
